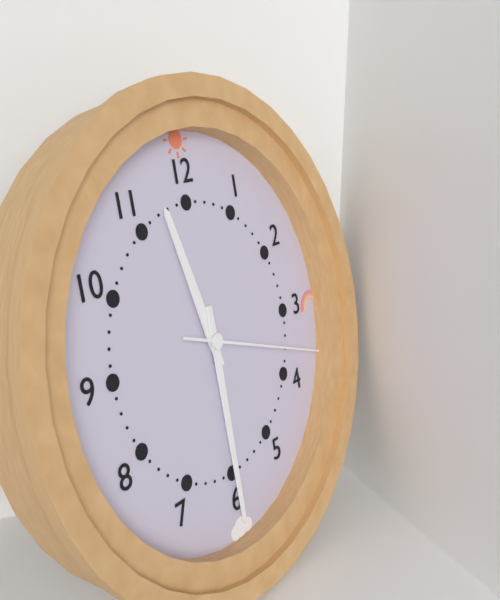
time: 11:30:18
